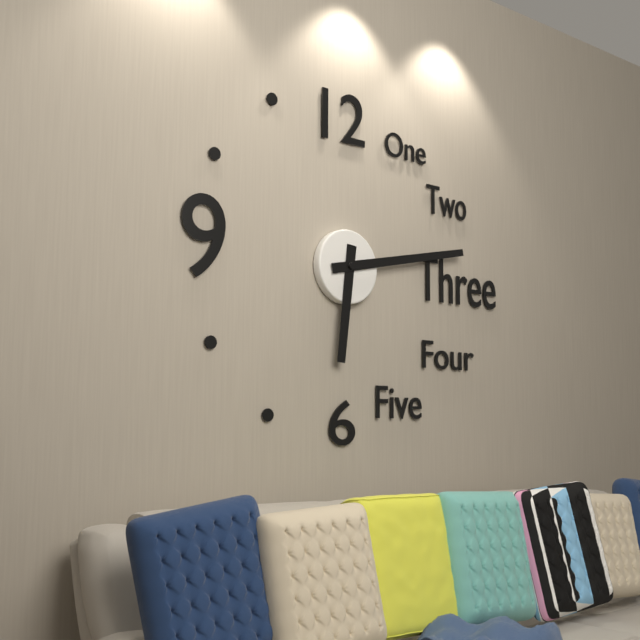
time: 6:13
